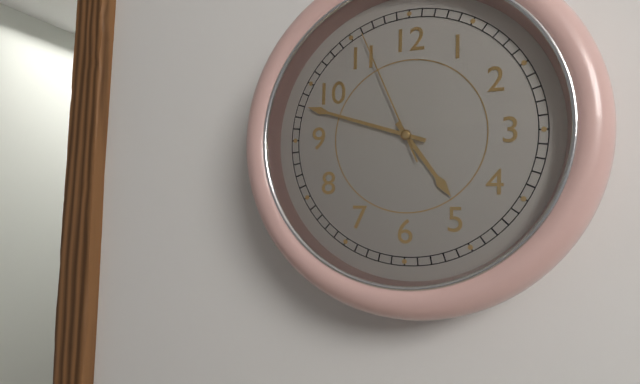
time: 4:48:56
